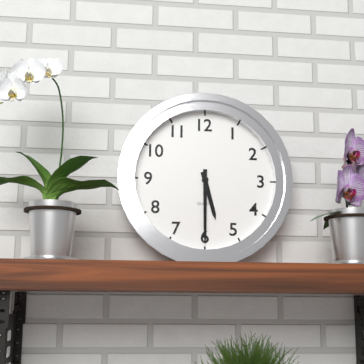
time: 5:30
